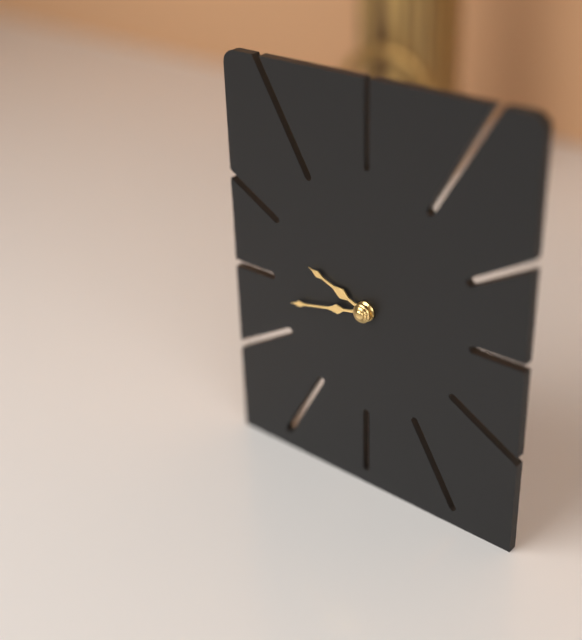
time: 9:43
